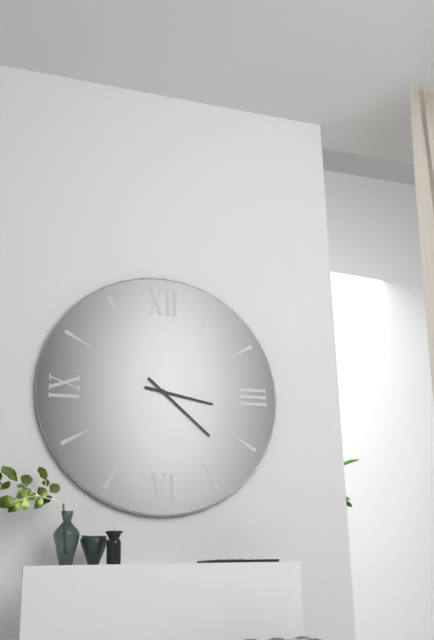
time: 3:22
